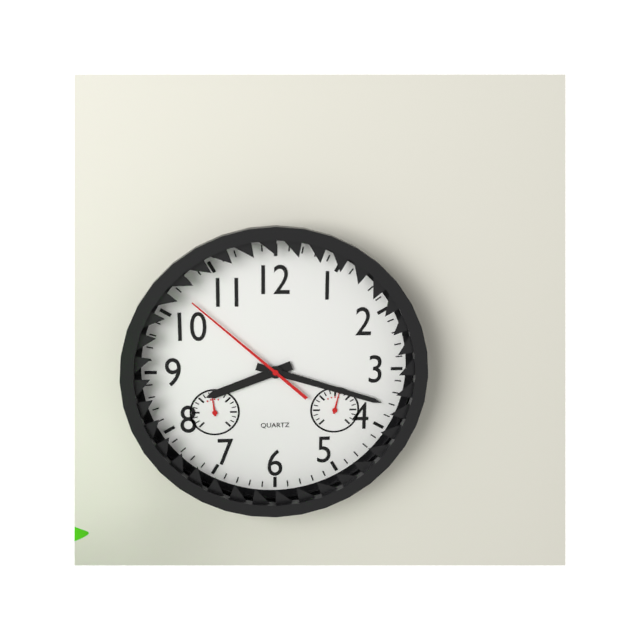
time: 8:18:52
